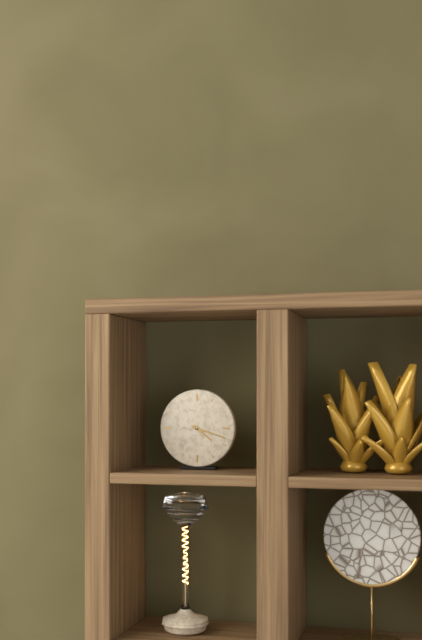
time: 4:18
